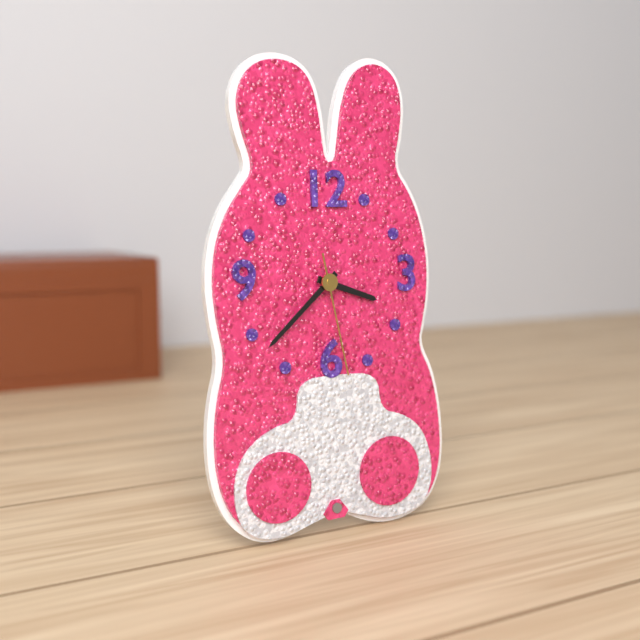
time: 3:38:28
